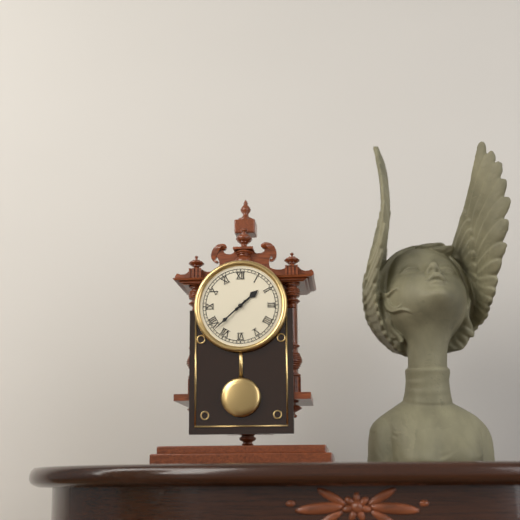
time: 1:38
